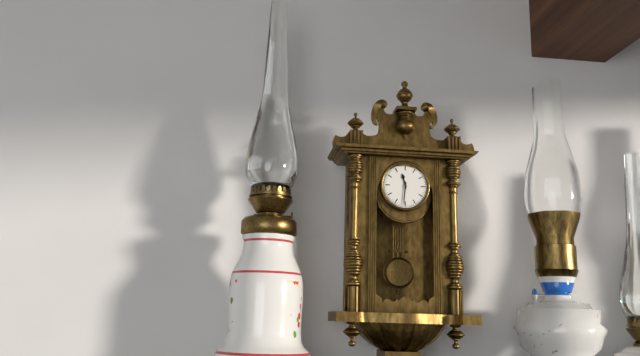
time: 11:31
